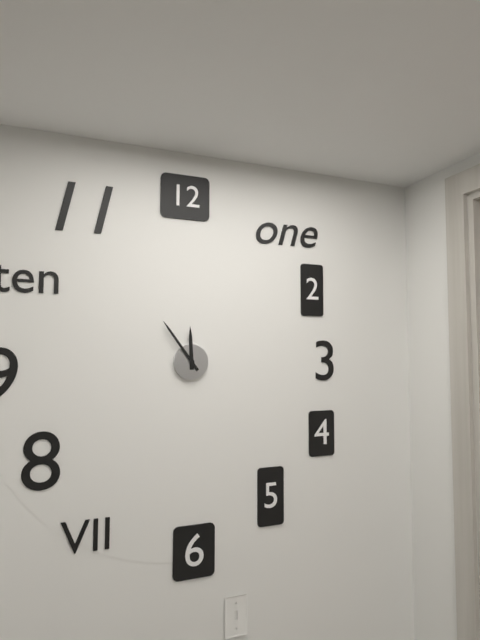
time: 11:54
